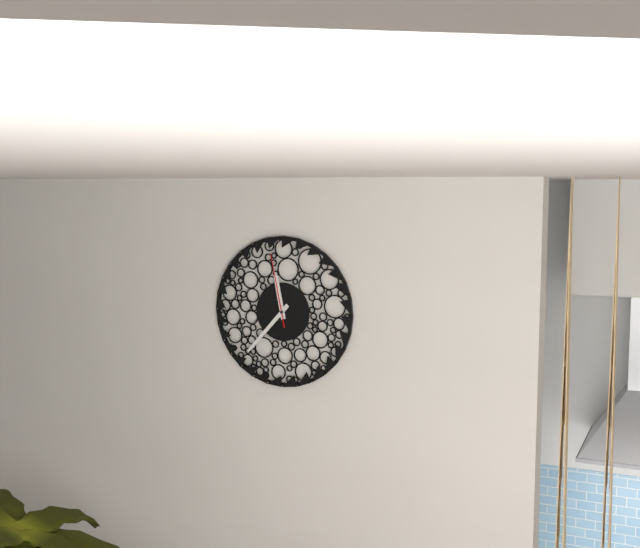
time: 11:37:58
